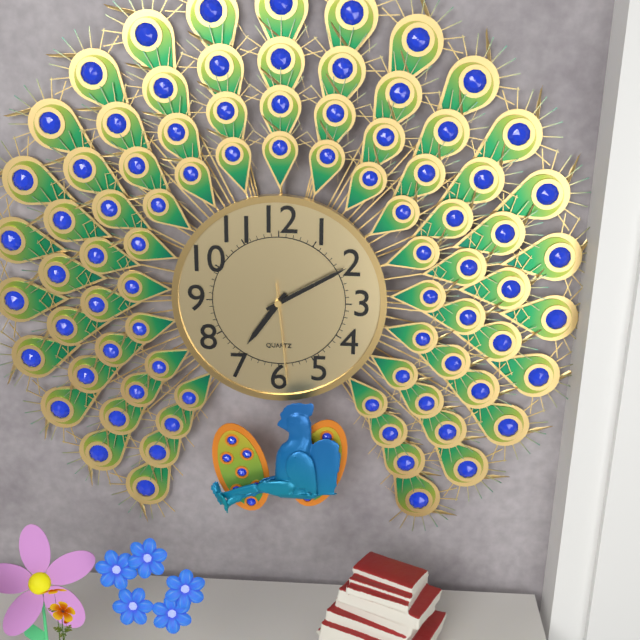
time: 7:10:29
